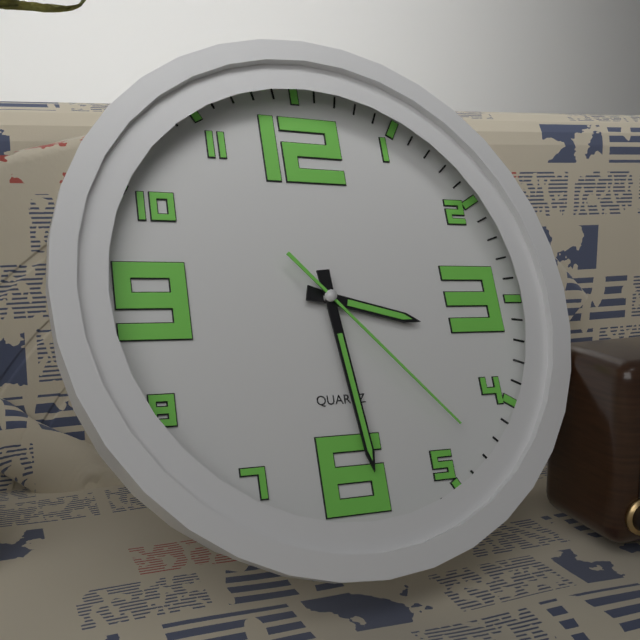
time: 3:29:23
